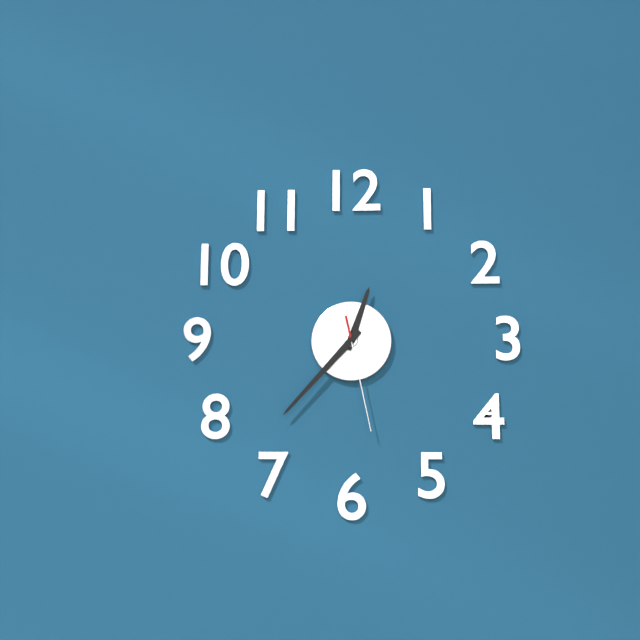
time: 12:37:28
